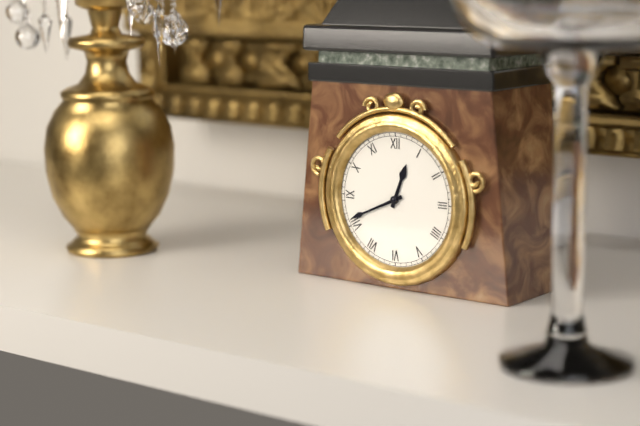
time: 12:41
